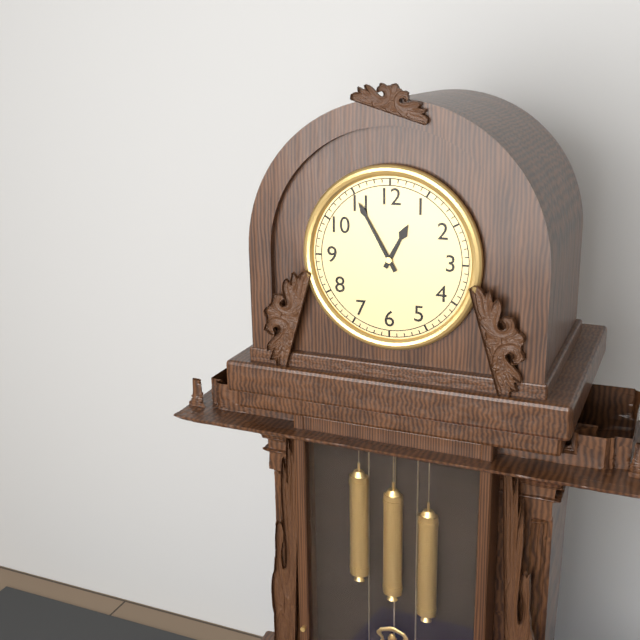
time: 12:55
